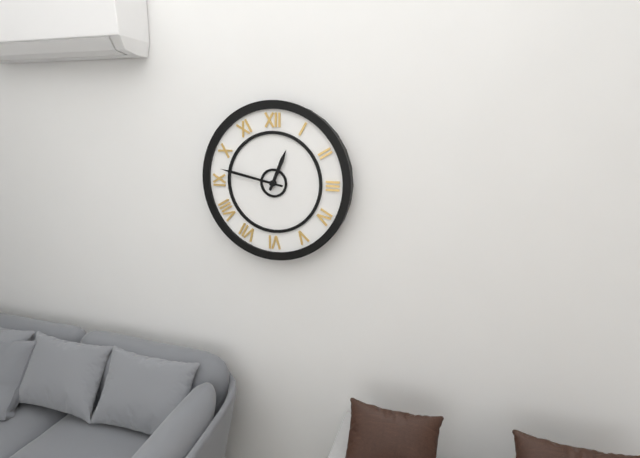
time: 12:47
